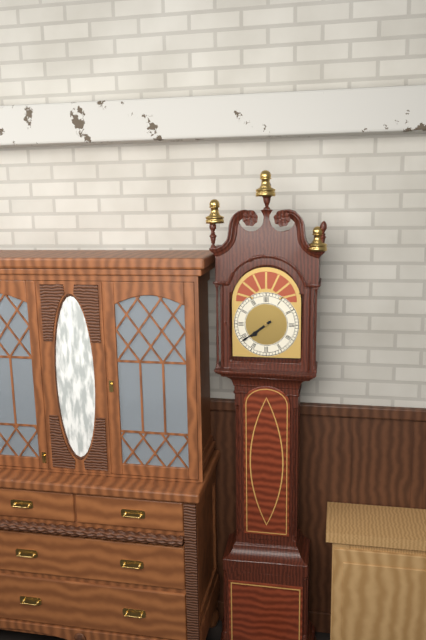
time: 7:39
